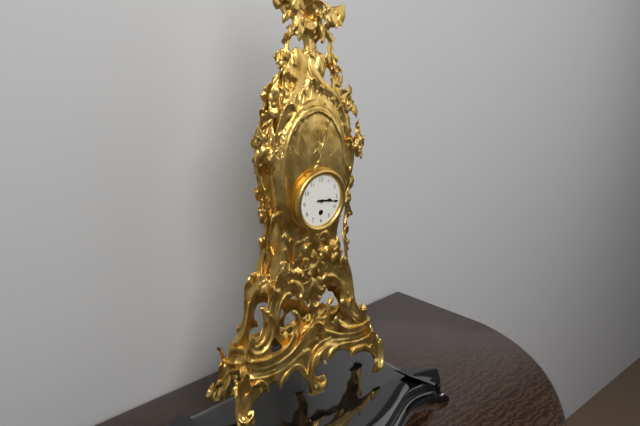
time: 3:17
